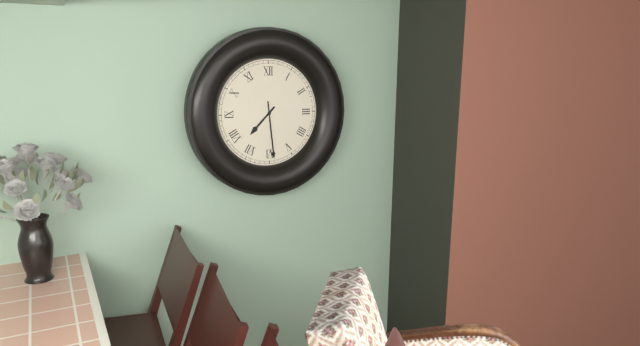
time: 7:29
